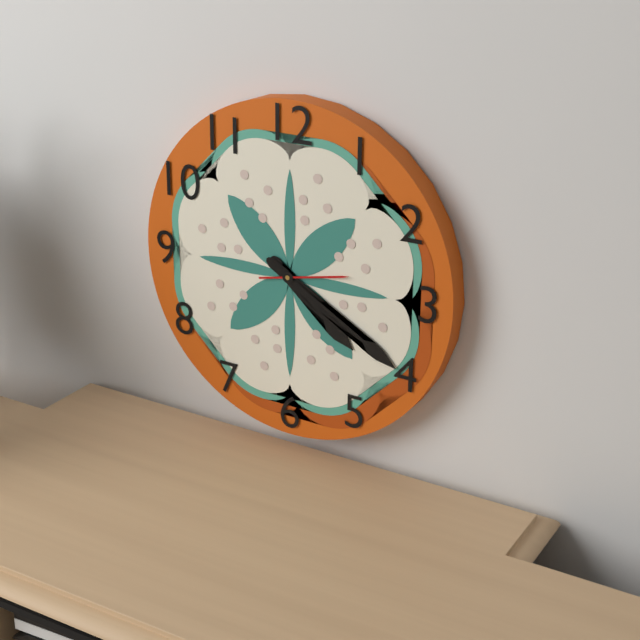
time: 4:20:13
